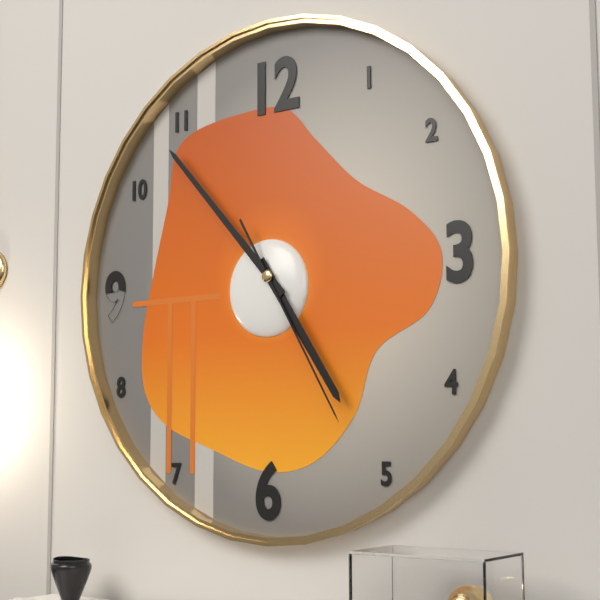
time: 4:53:25
